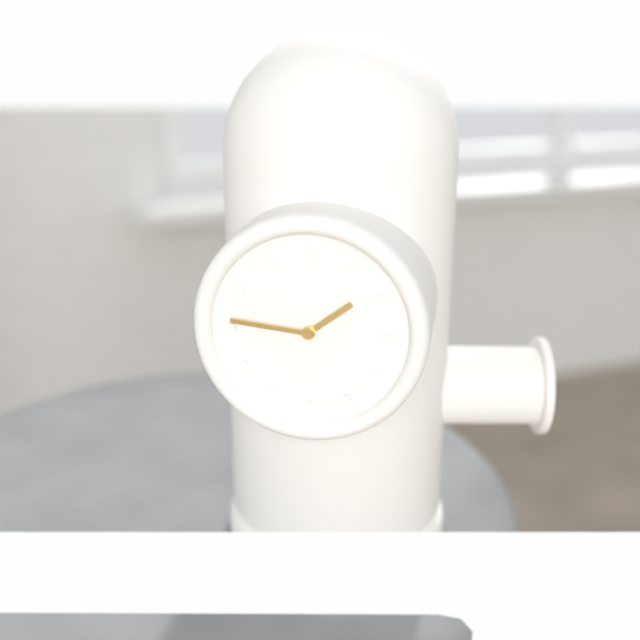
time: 1:46
